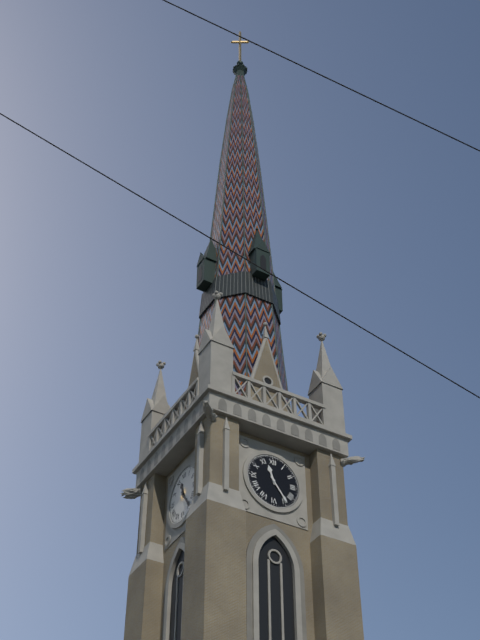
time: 11:24
